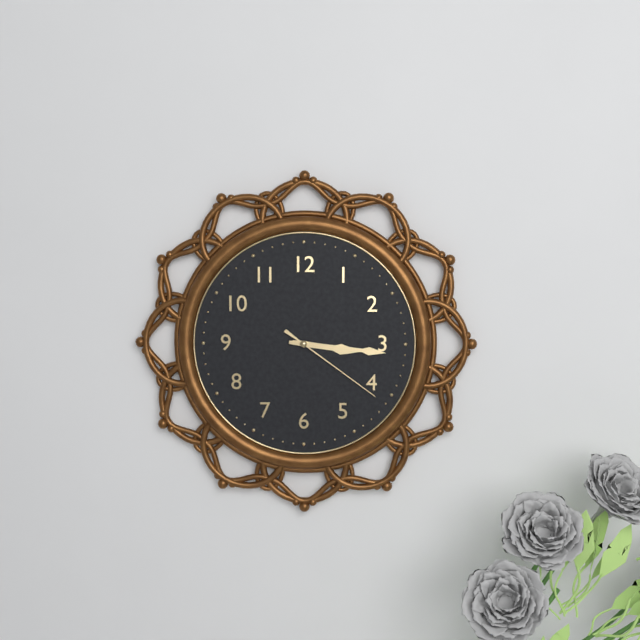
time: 3:16:21
